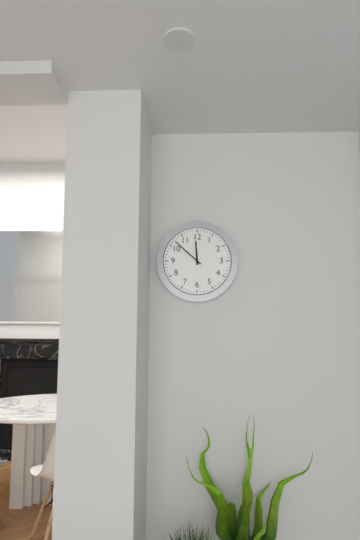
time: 11:52
